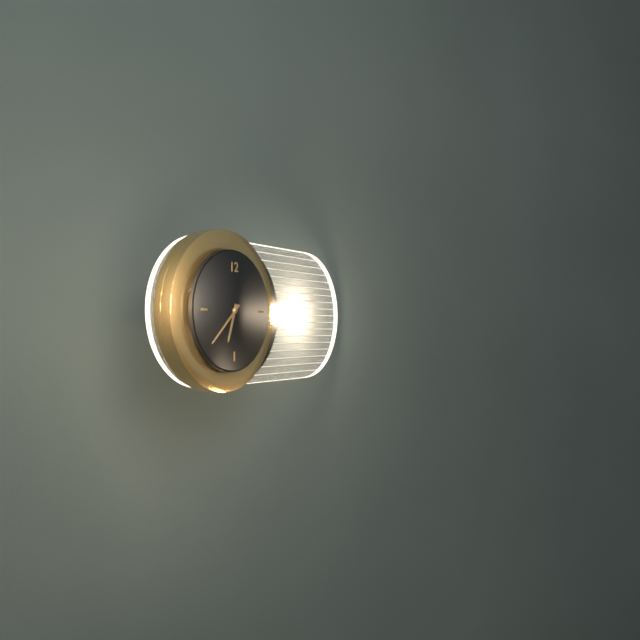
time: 6:38
